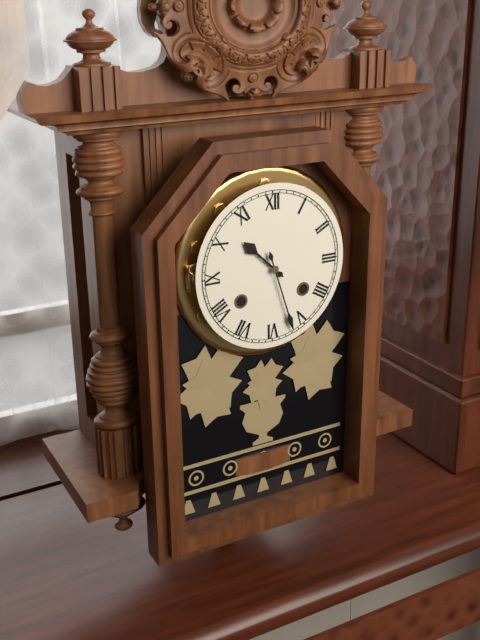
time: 10:27
